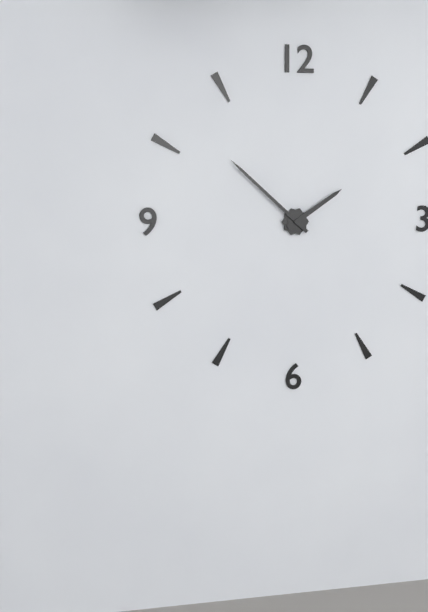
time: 1:52
